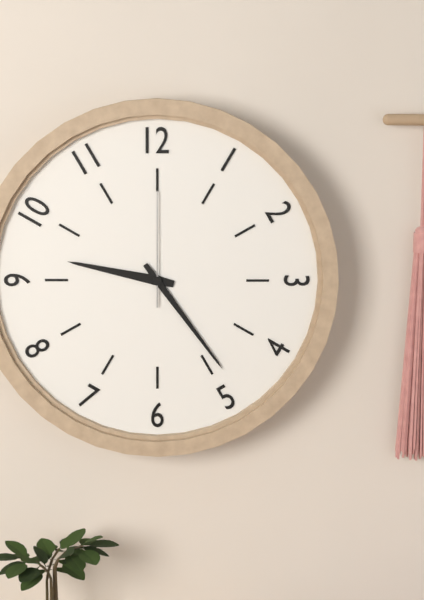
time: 9:24:00
